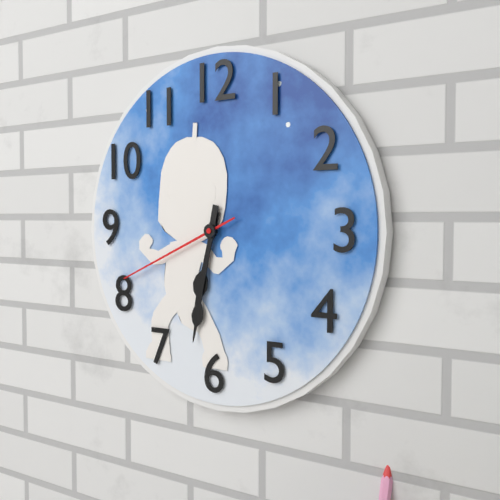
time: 6:32:41
